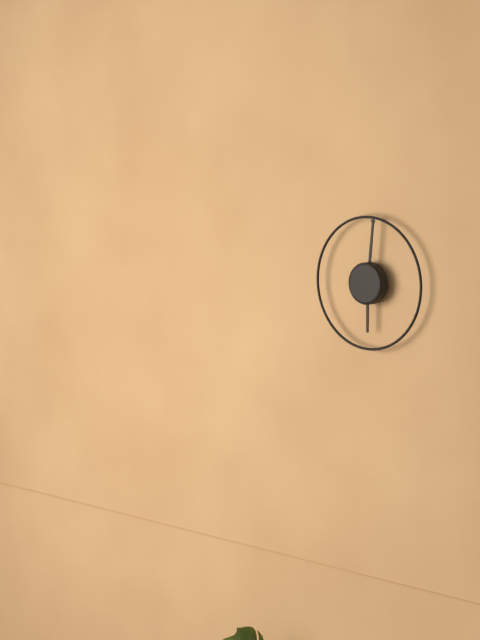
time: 6:01
